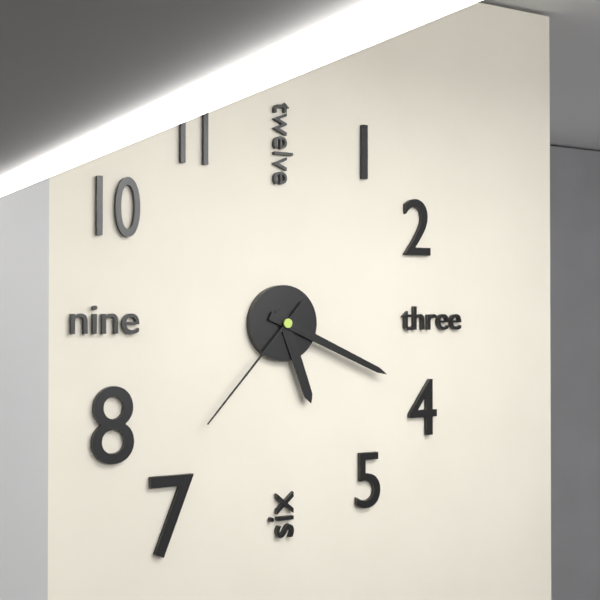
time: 5:19:37
